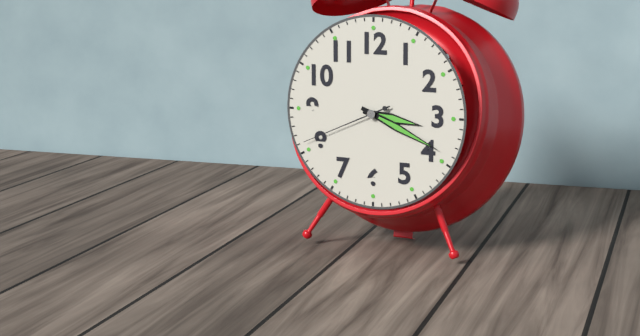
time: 3:19:41
